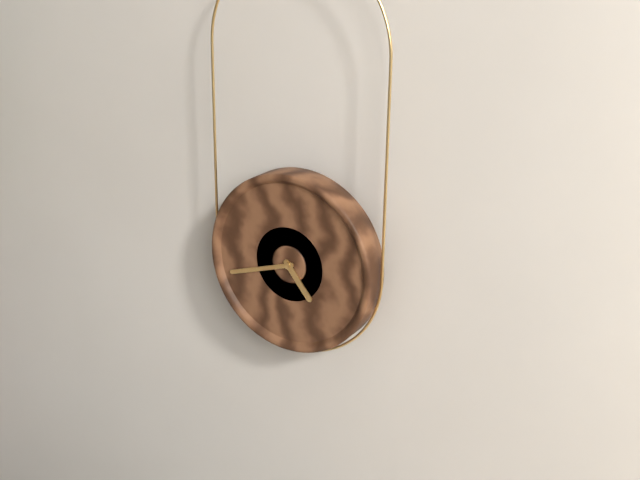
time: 4:42
